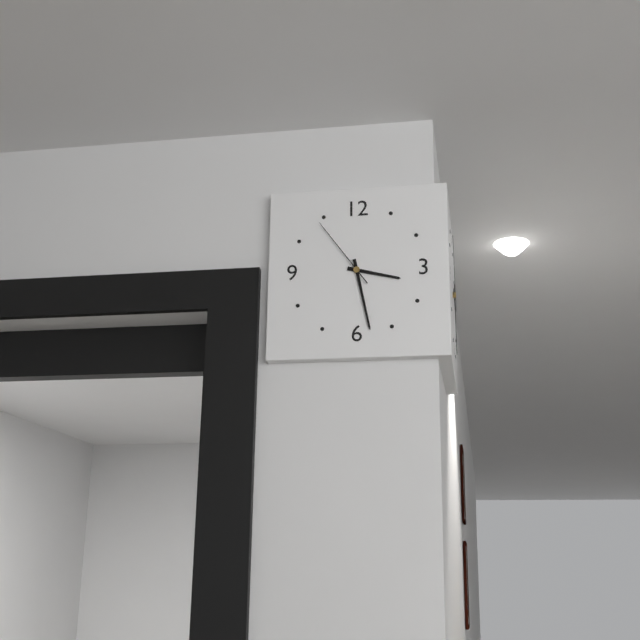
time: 3:28:54
